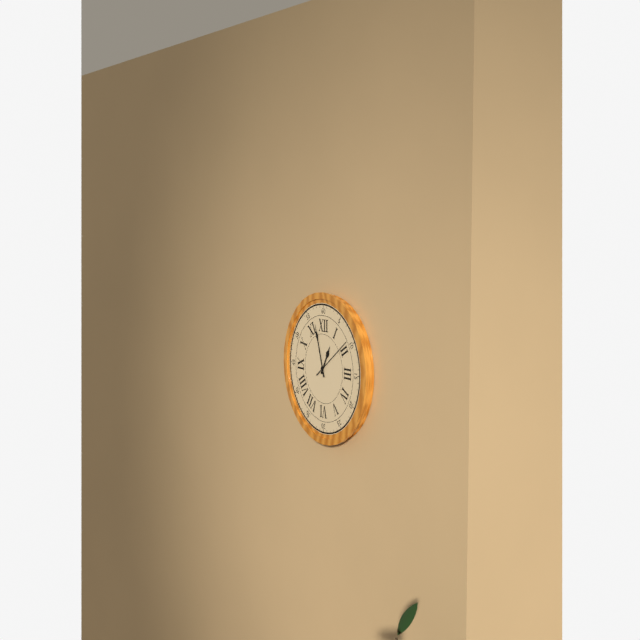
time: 12:57
